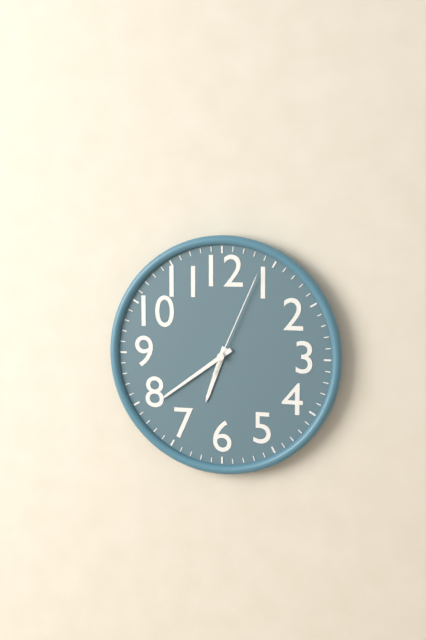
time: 6:39:04
